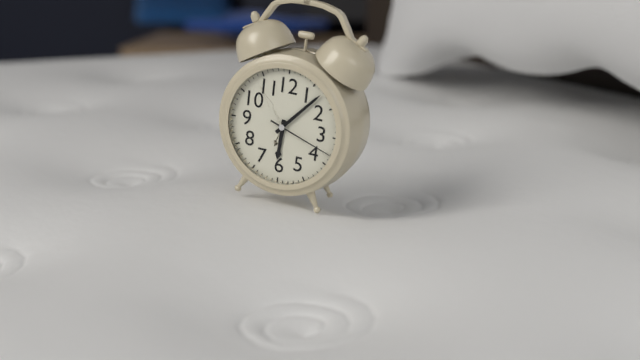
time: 6:07:18
